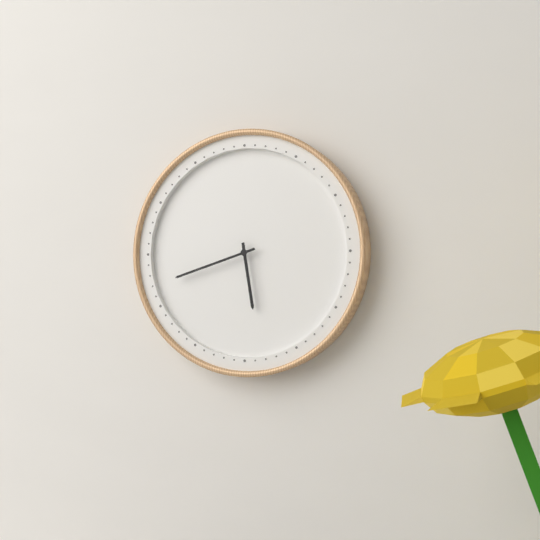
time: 5:42
